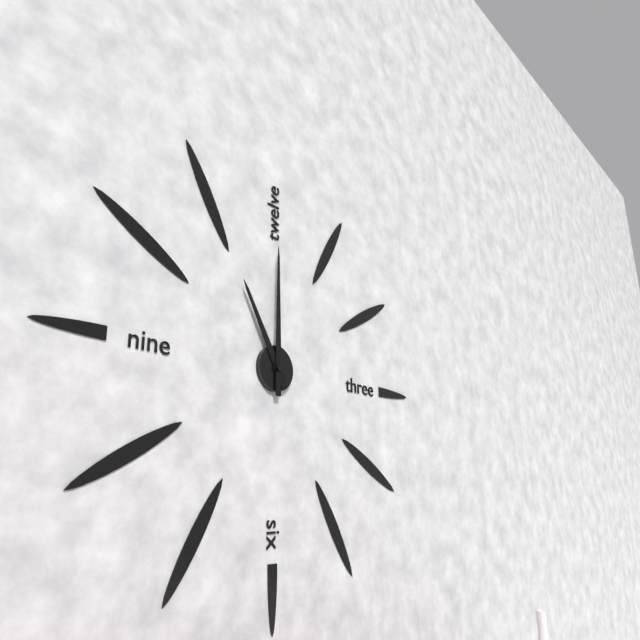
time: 11:00
